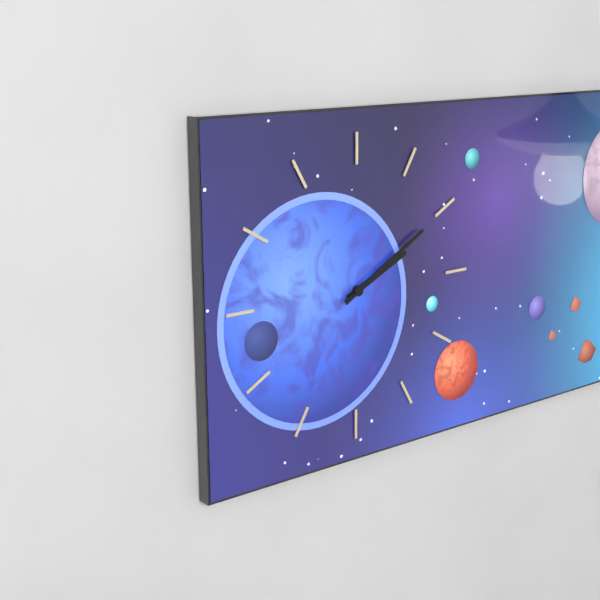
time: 2:10
